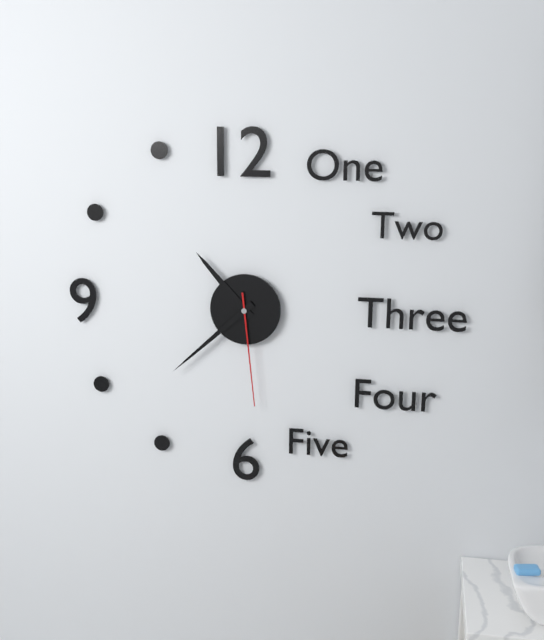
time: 10:38:29
